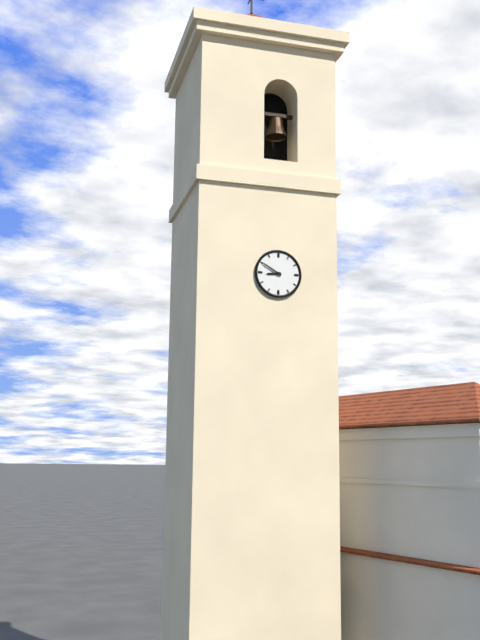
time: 8:50
